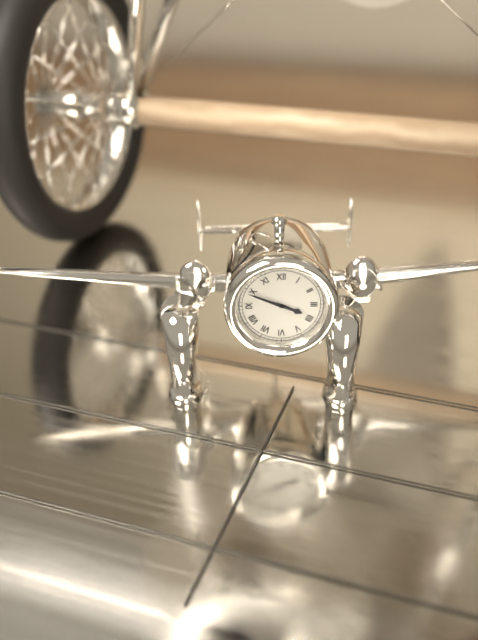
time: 3:49
